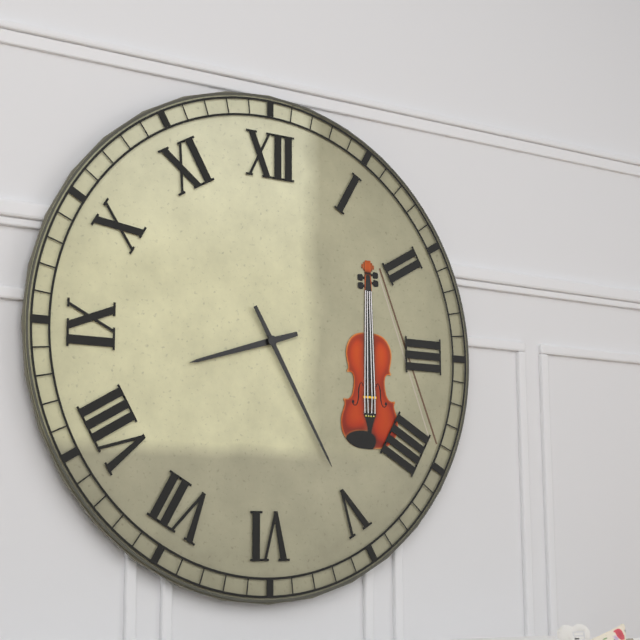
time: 8:25
